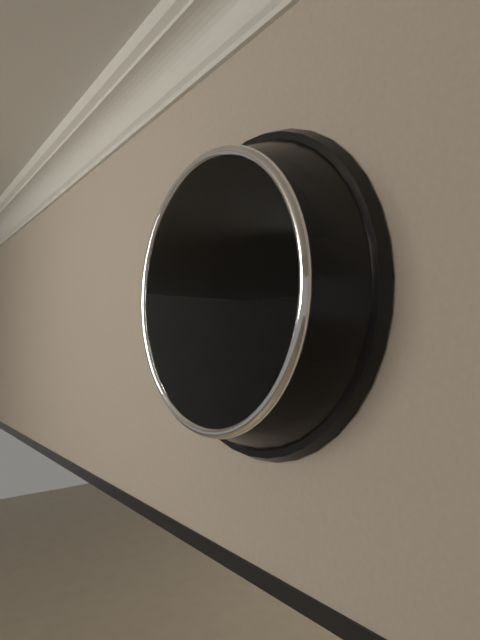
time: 4:40
